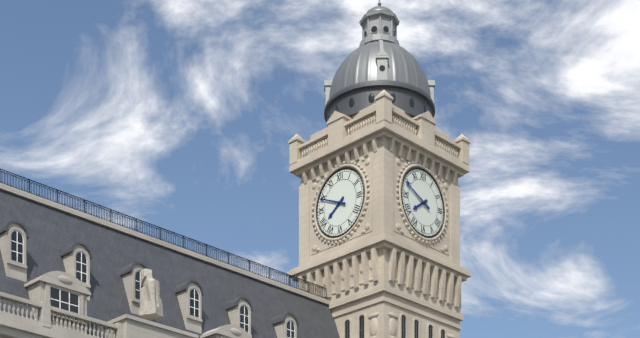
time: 7:49
